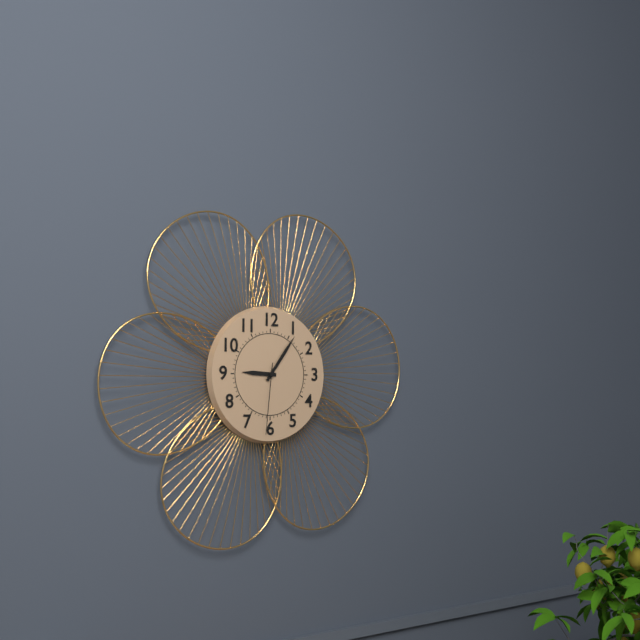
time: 9:06:31
